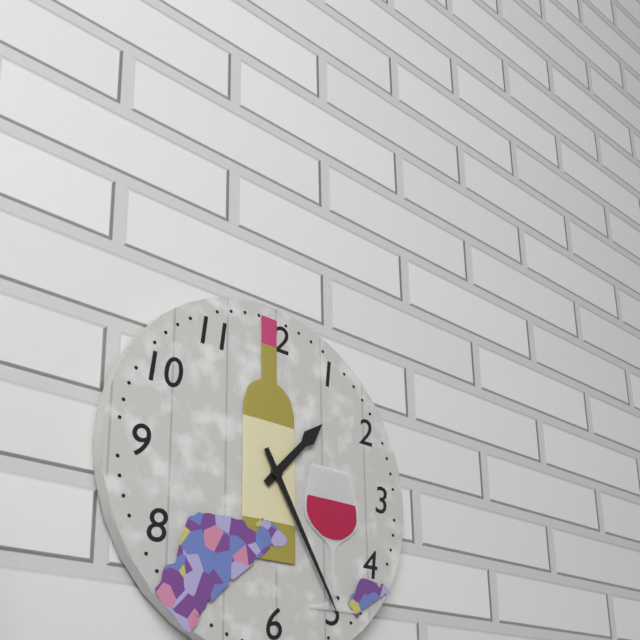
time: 1:25
